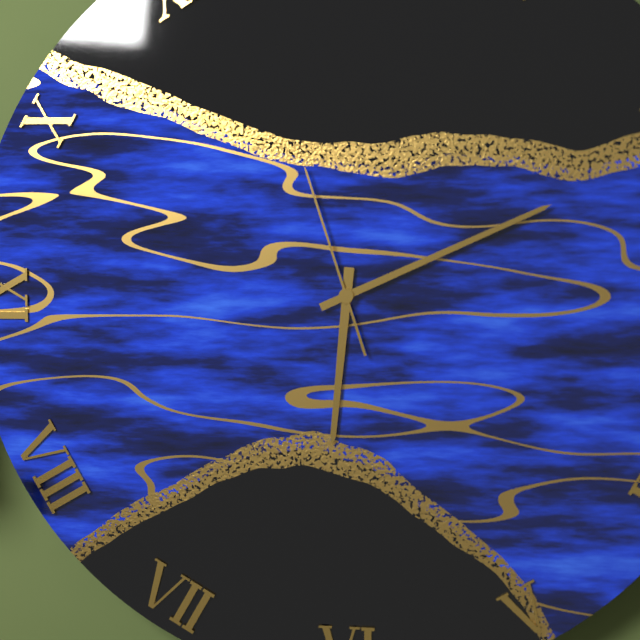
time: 6:11:57
